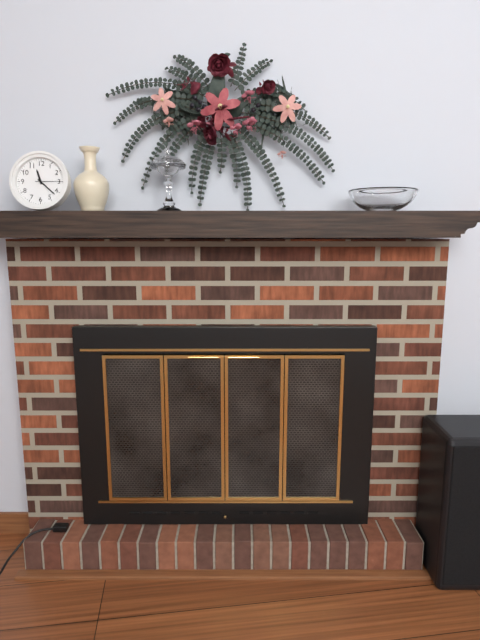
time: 11:22
